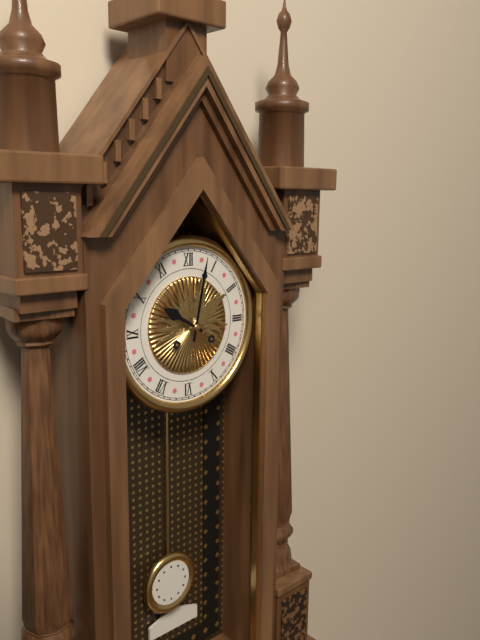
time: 10:02
